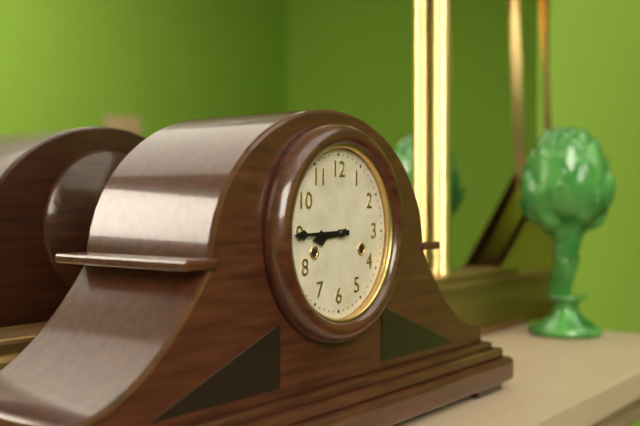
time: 8:45
